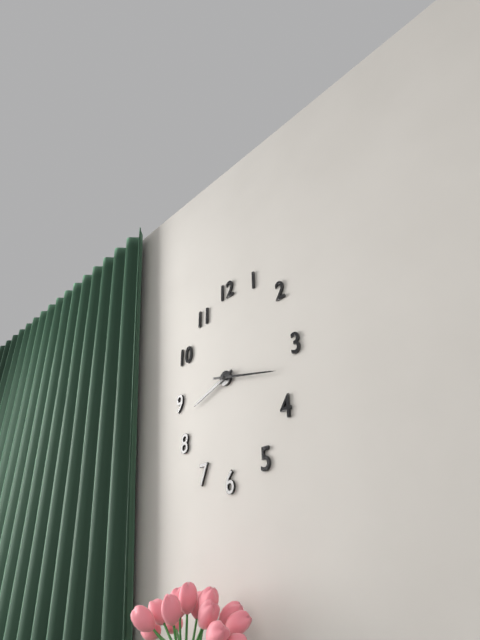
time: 8:17
